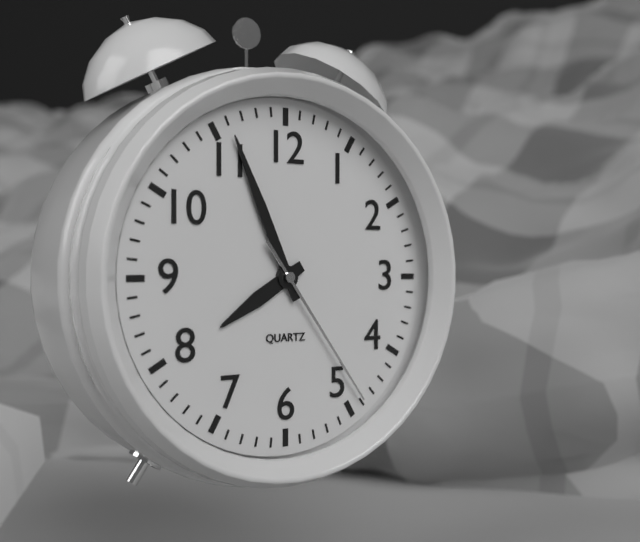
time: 7:56:24
